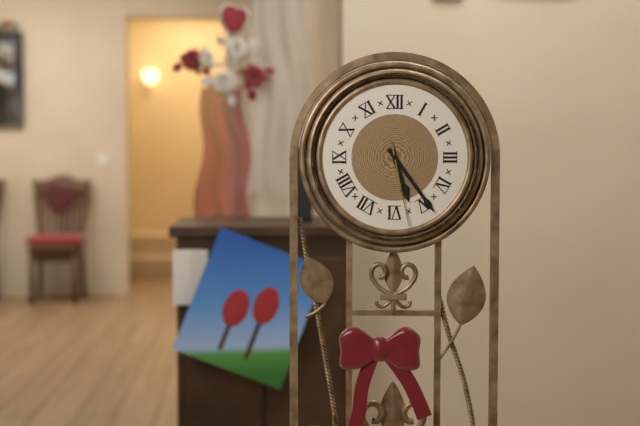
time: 5:24:28
